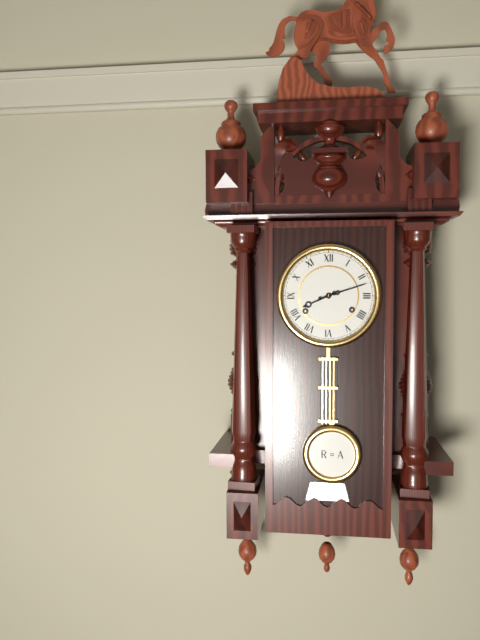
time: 8:12
